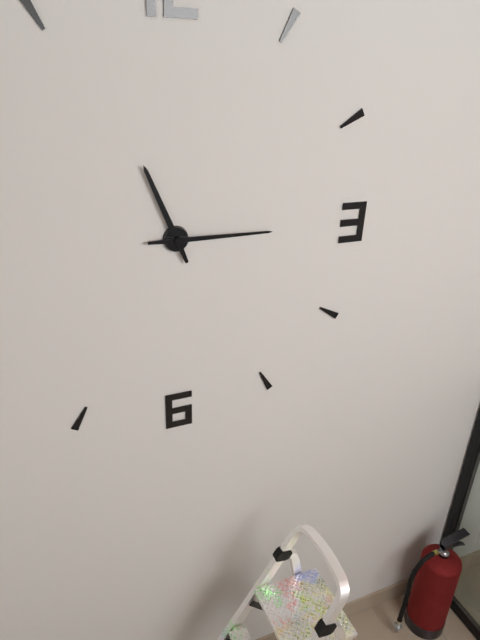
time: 11:15
